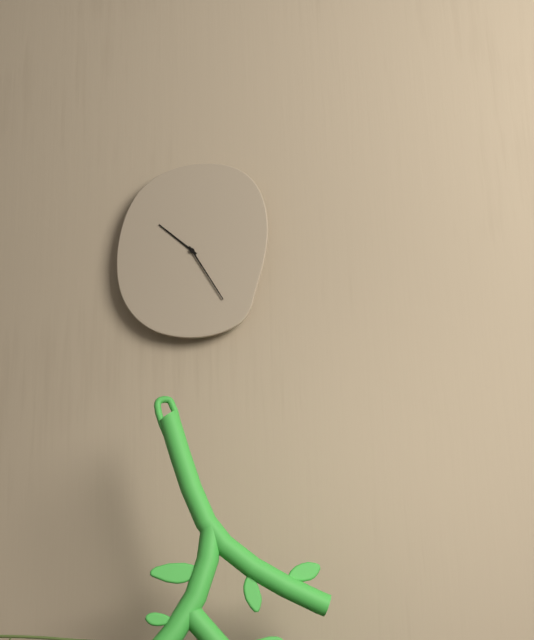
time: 10:25
